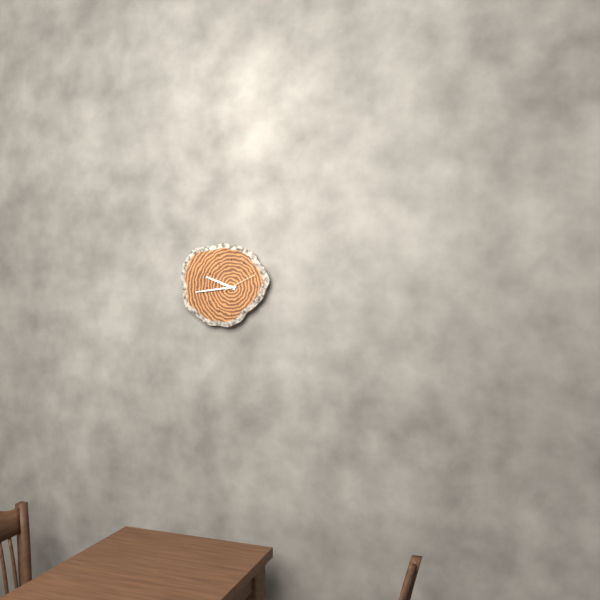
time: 9:44
